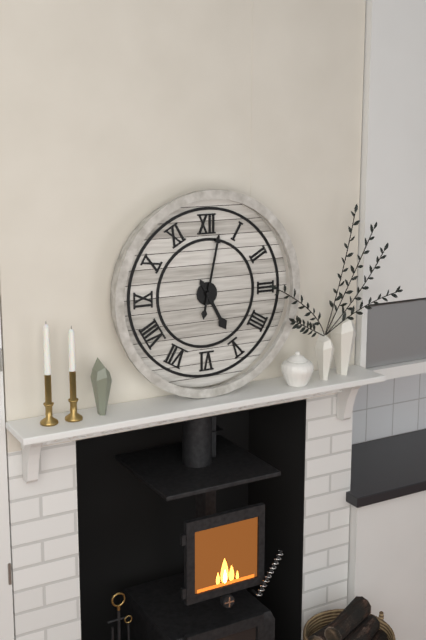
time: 5:02
